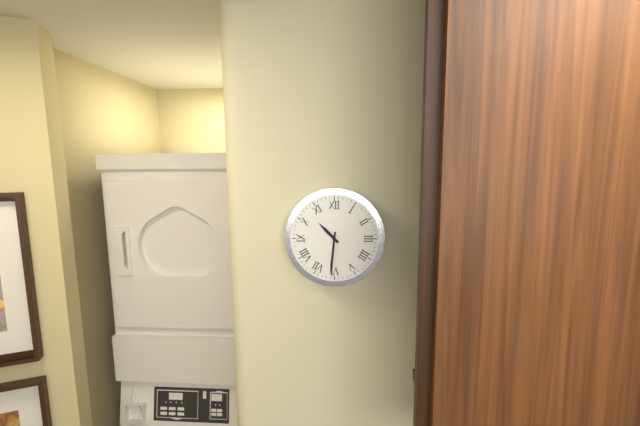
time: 10:31
